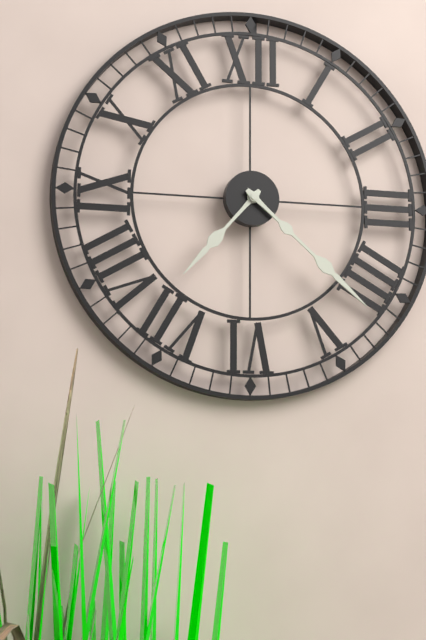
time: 7:22
